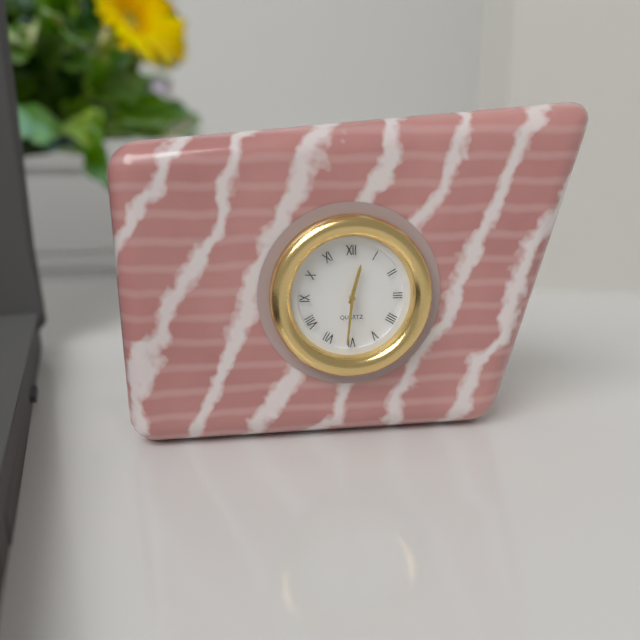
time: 12:31
